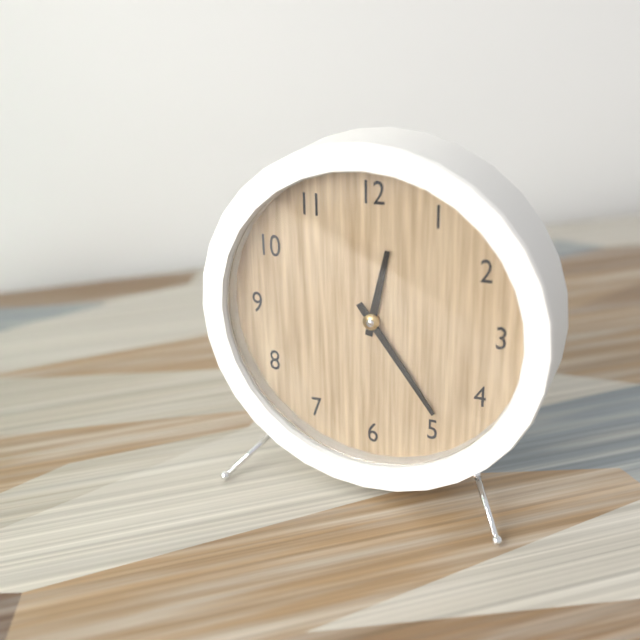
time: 12:24
